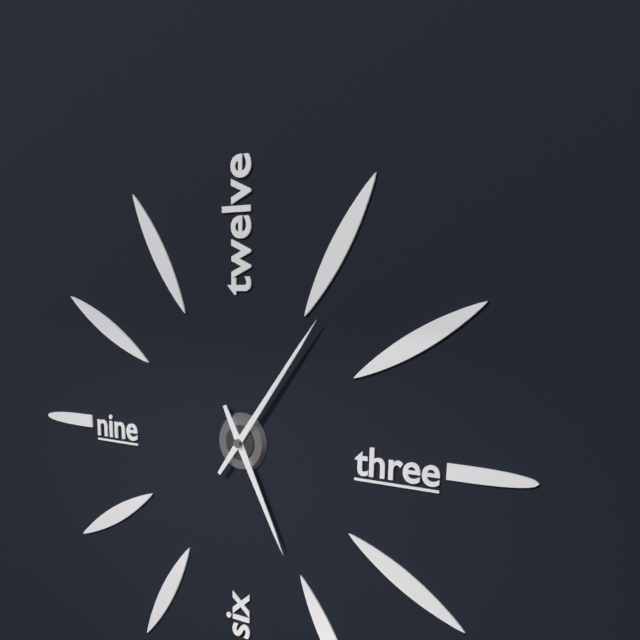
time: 5:06
